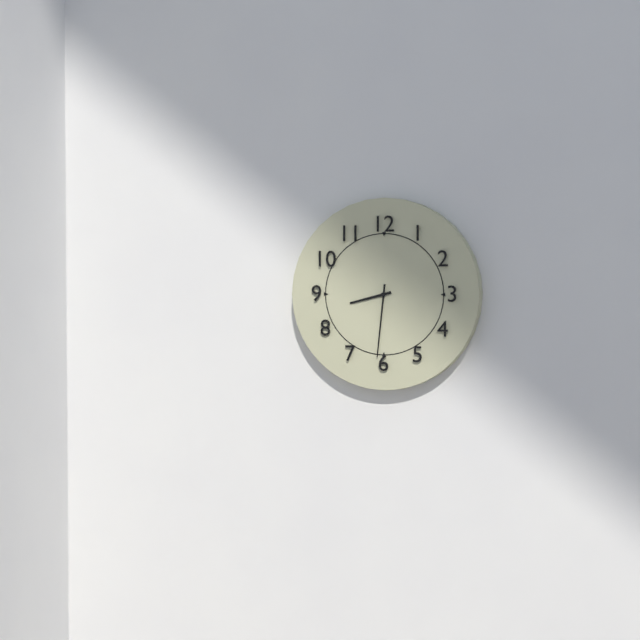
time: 8:31
